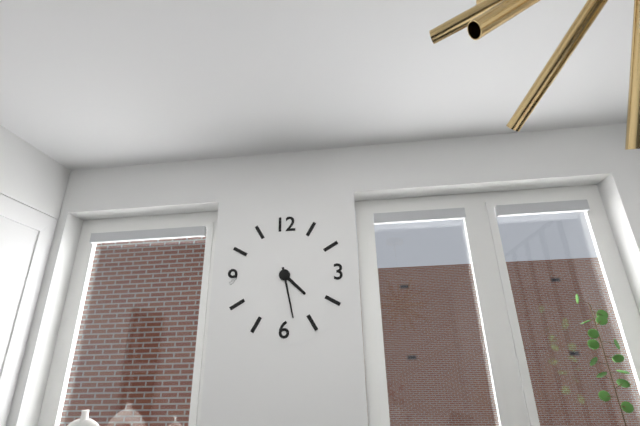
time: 4:28
